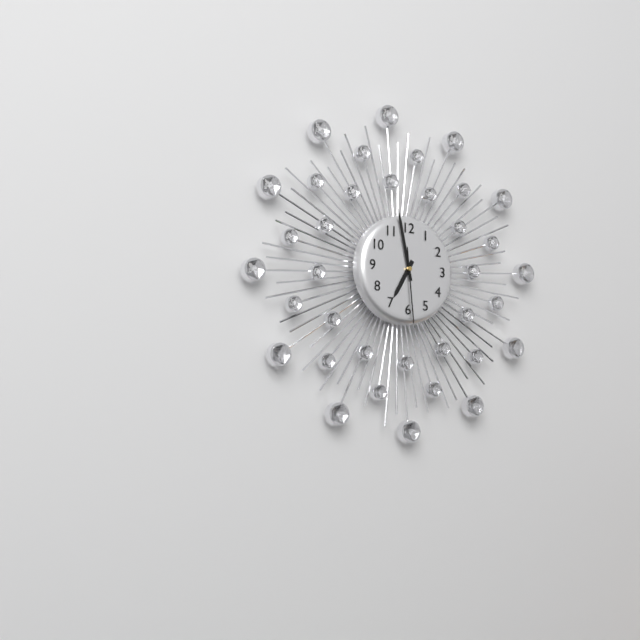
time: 6:58:29
